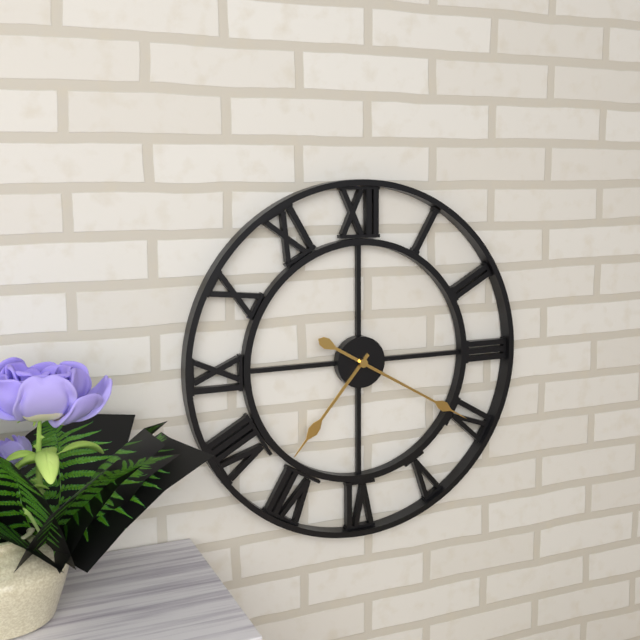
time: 7:20
